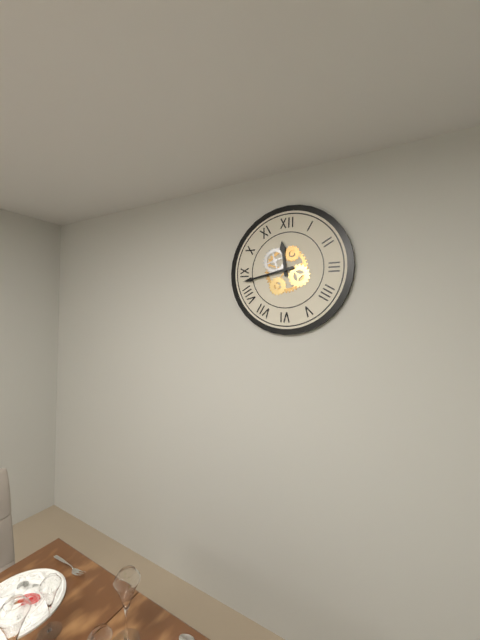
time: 11:43
